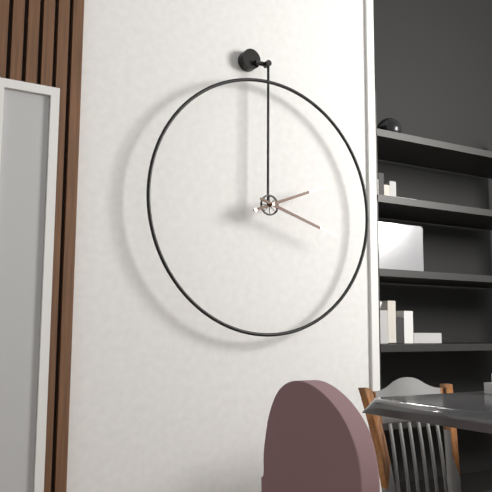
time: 2:18
